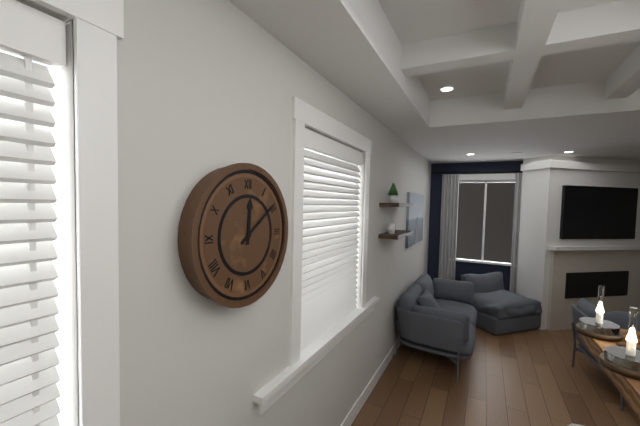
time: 12:09
